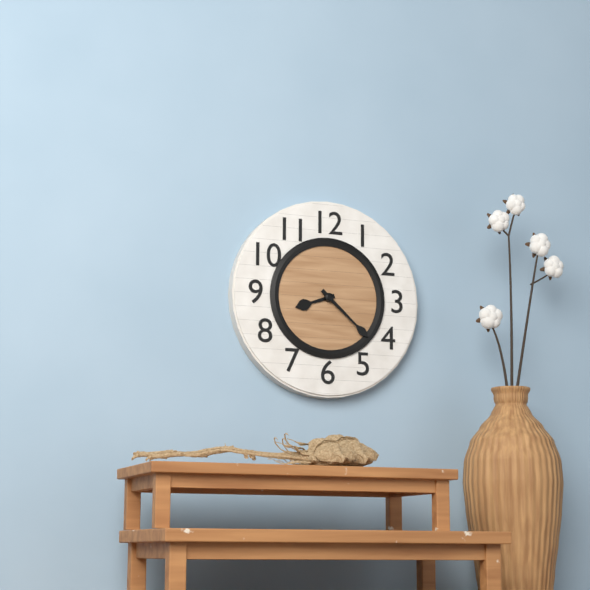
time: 8:22
